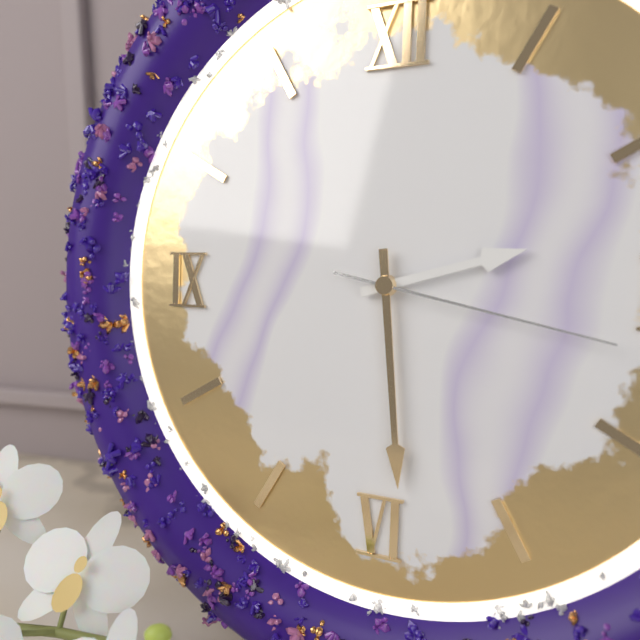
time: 2:29:17
